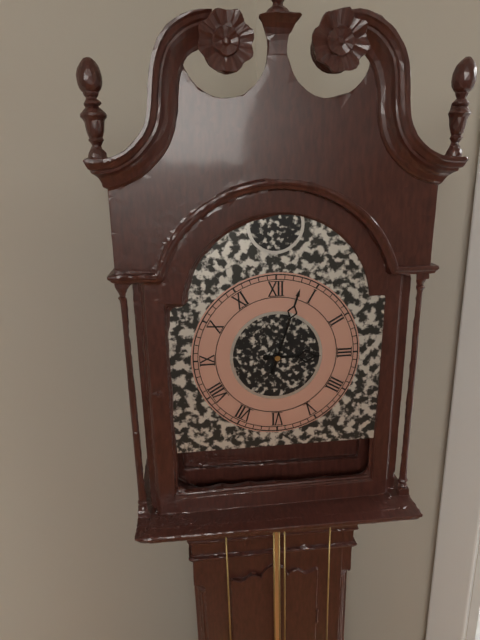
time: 3:03
